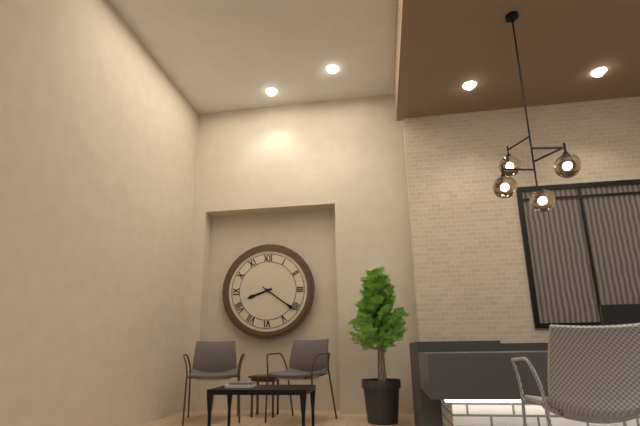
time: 8:21
